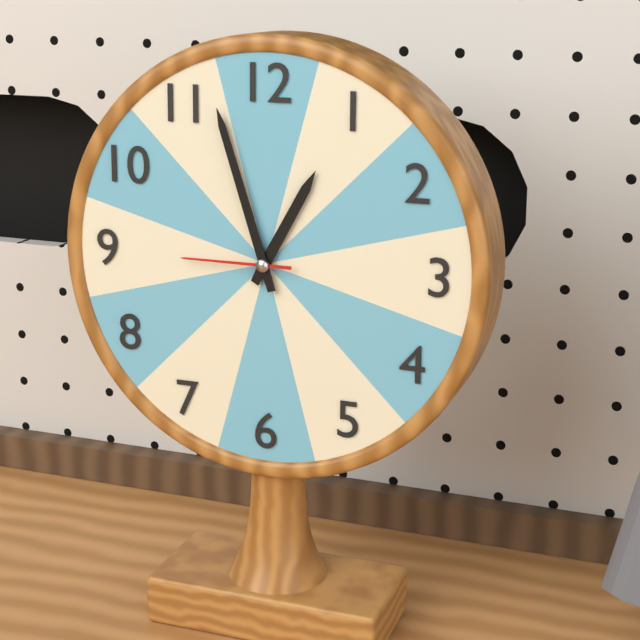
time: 12:57:45
